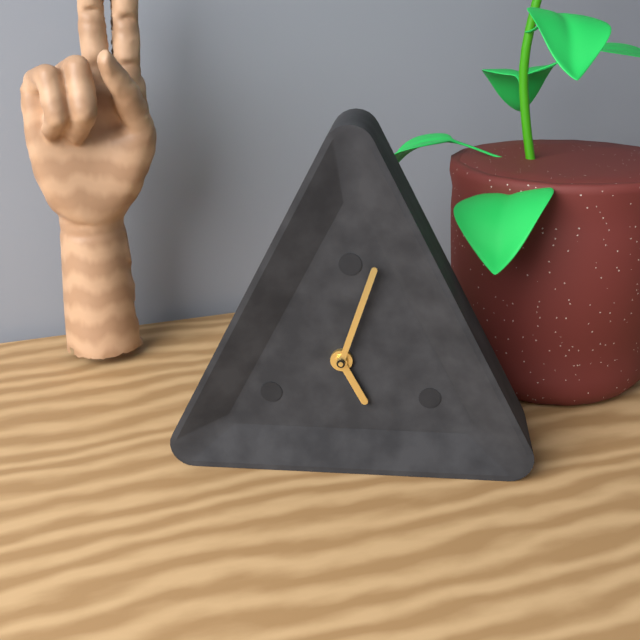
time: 5:03
